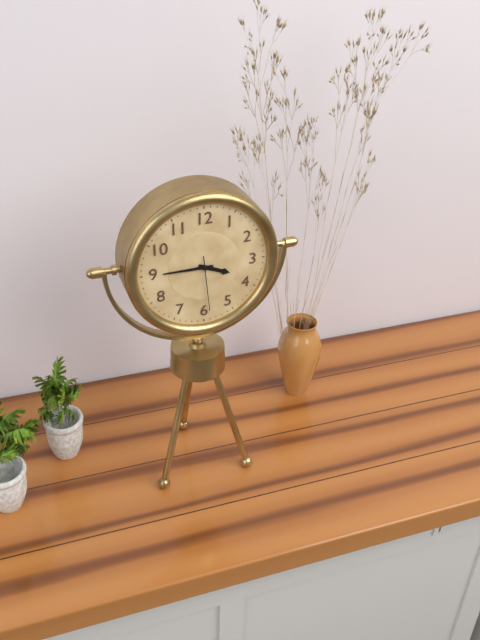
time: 3:45:29
